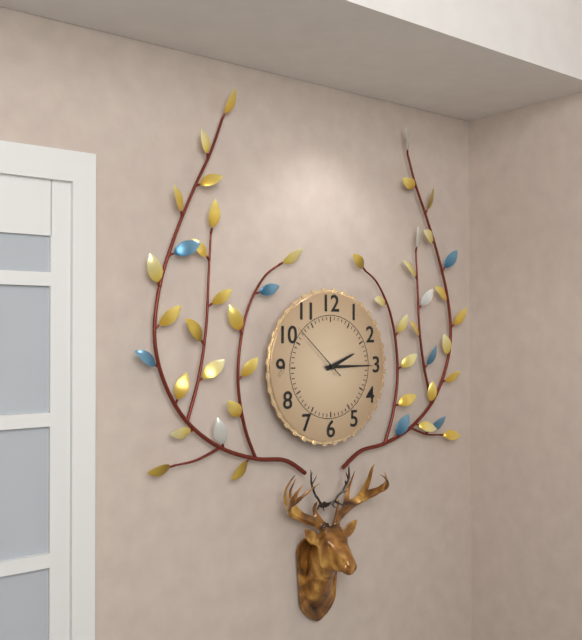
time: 2:15:52
